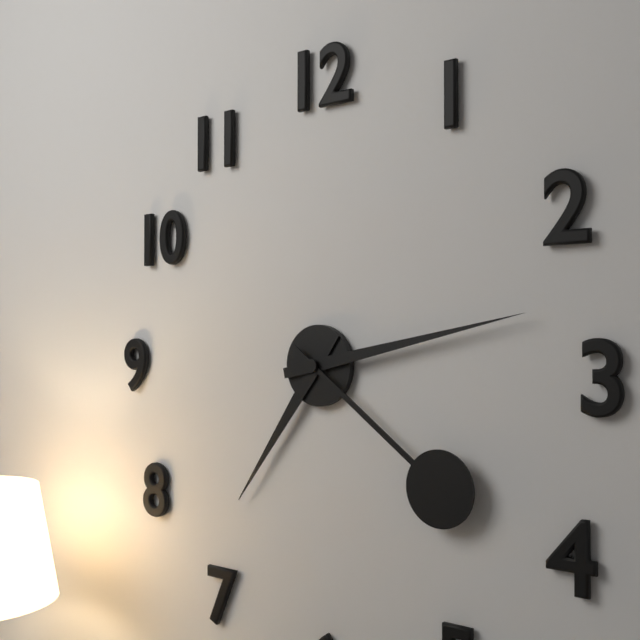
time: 7:13:21
